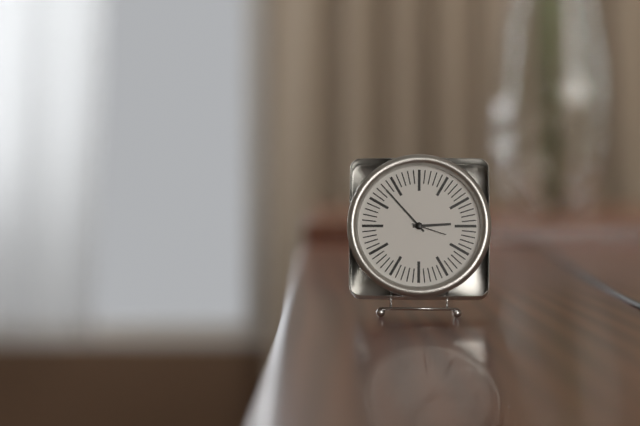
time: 2:53
